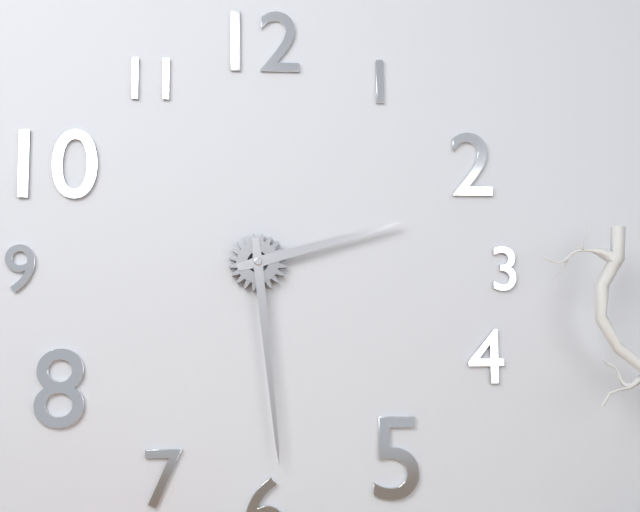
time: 2:29
